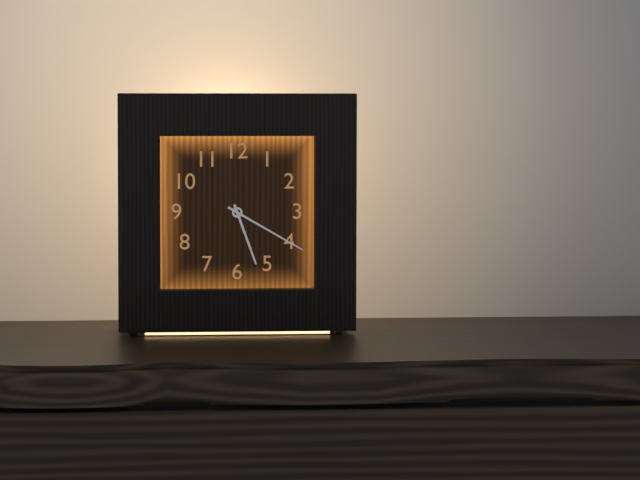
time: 5:20
